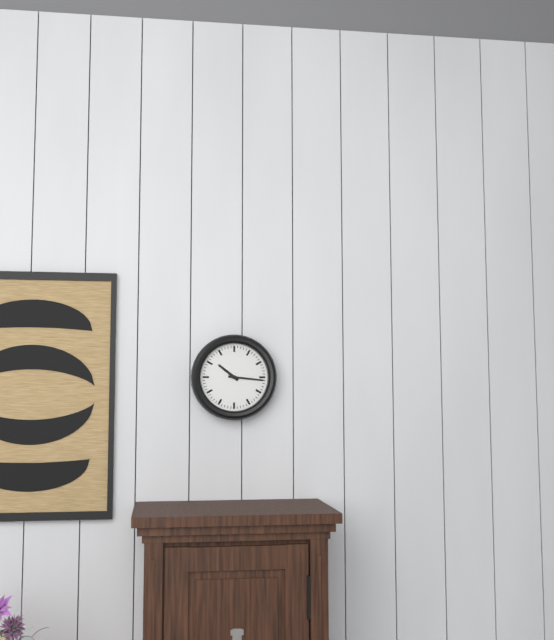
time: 10:16
